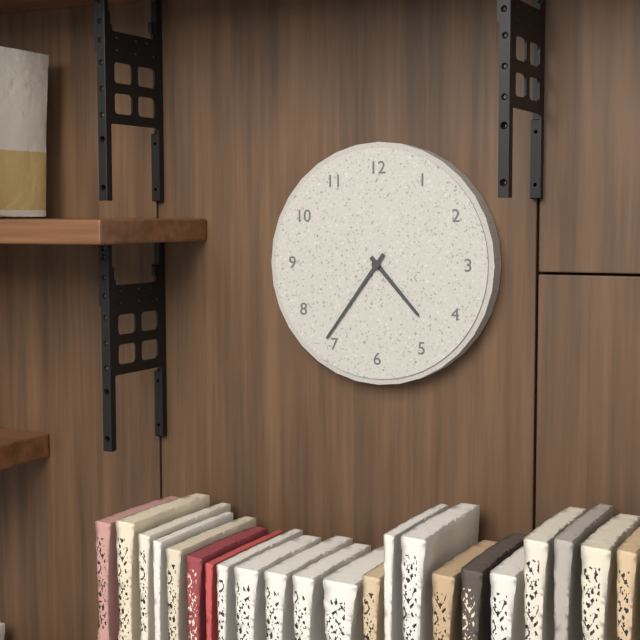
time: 4:36
